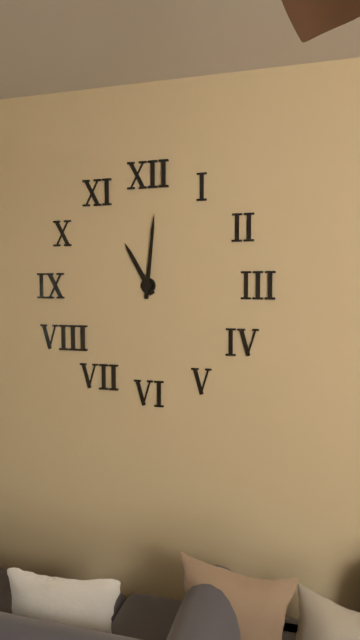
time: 11:01
